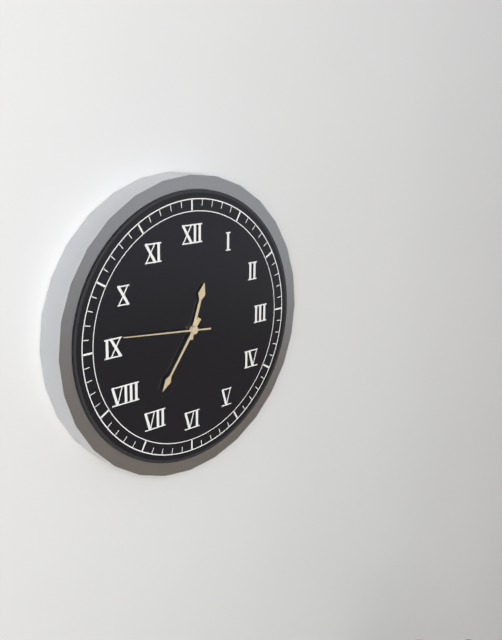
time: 12:36:46
